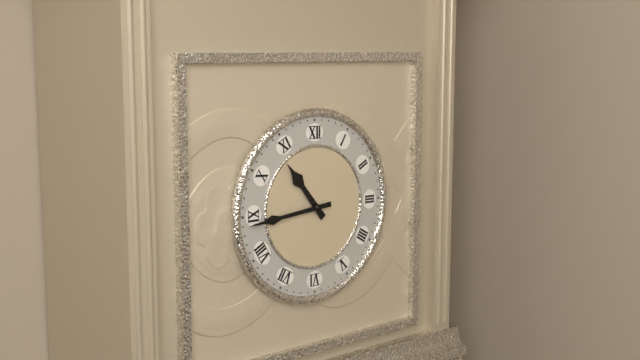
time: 10:44
